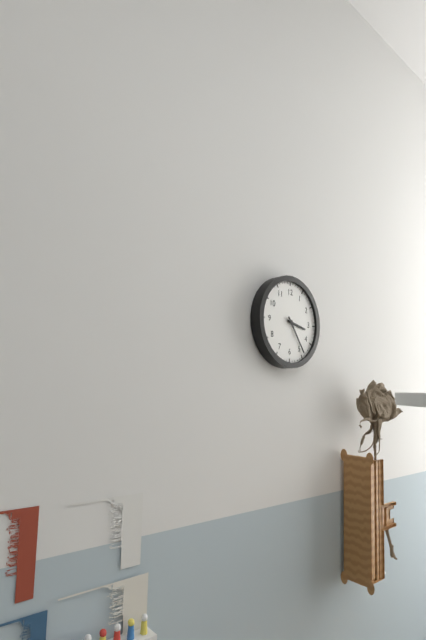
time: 3:24
